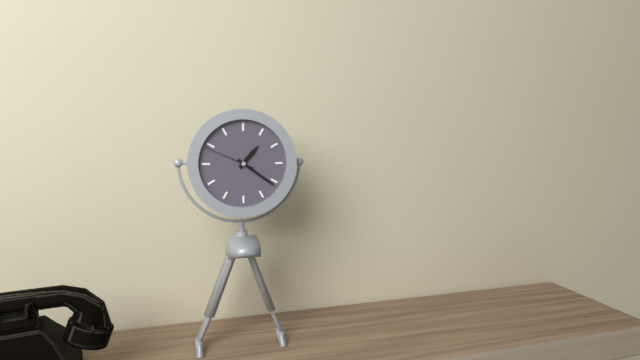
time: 1:21:49
